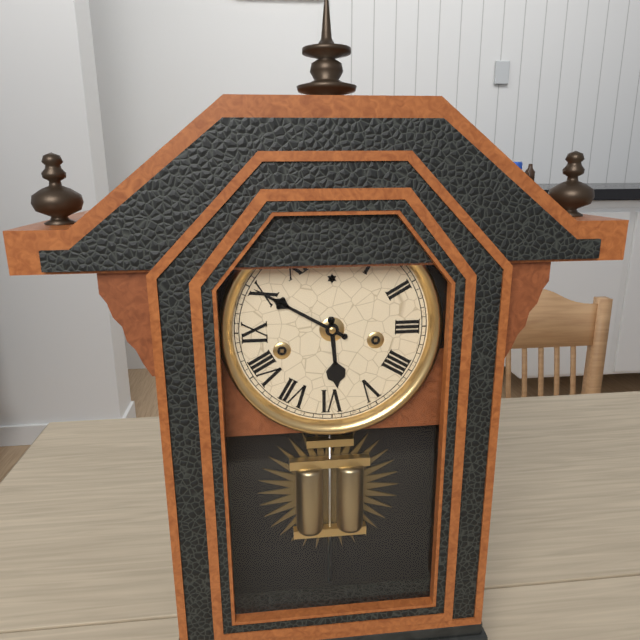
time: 5:50
